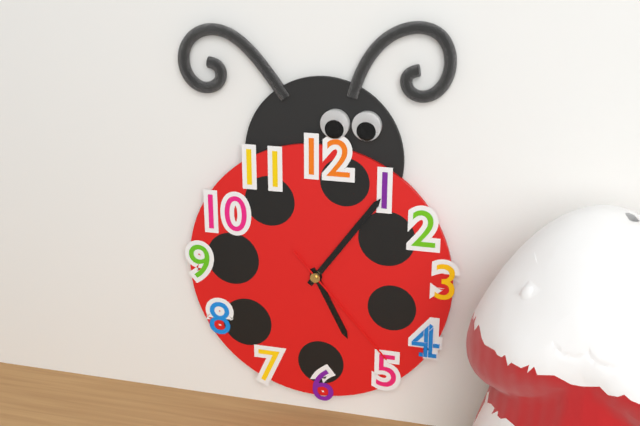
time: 5:06:23
